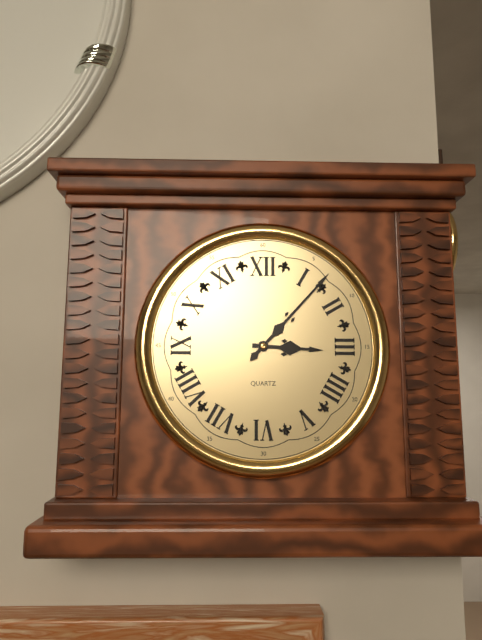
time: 3:07
